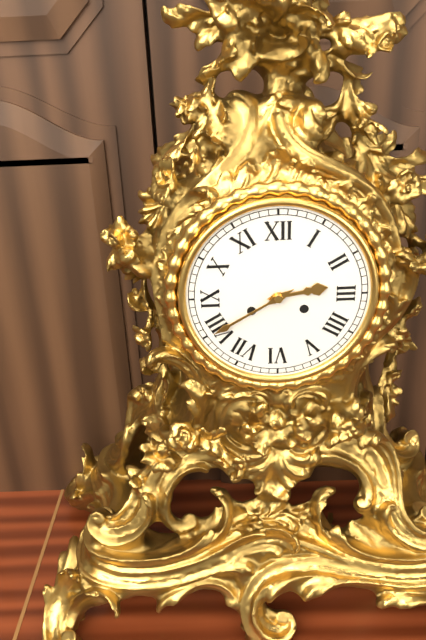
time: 2:40
